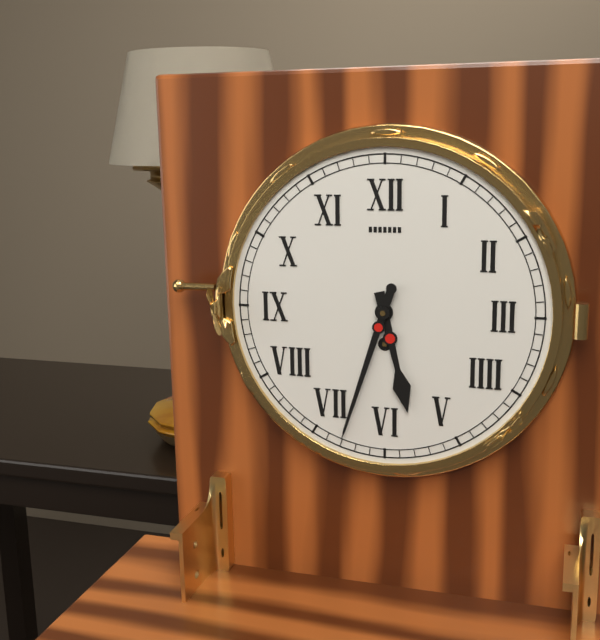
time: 5:33
